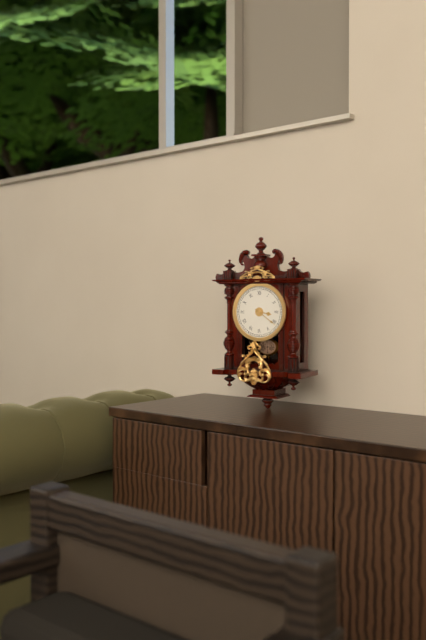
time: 3:21
